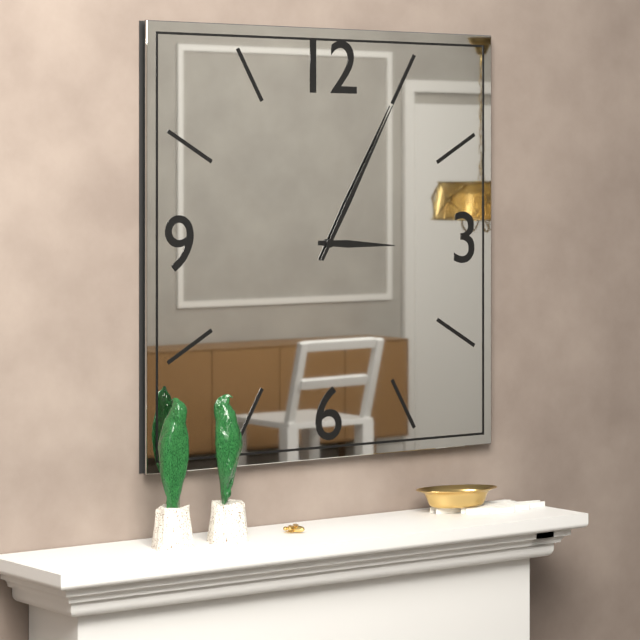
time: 3:05
